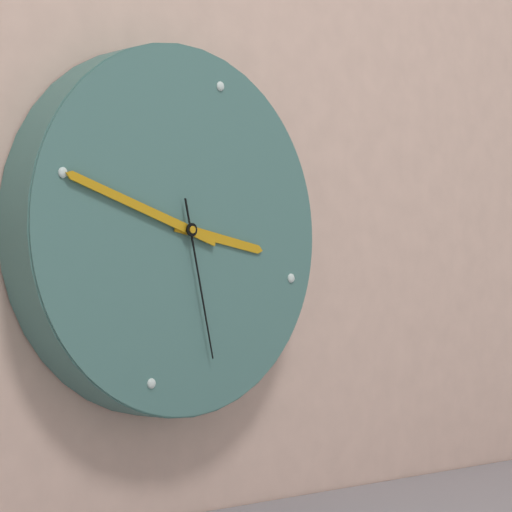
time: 2:45:25
